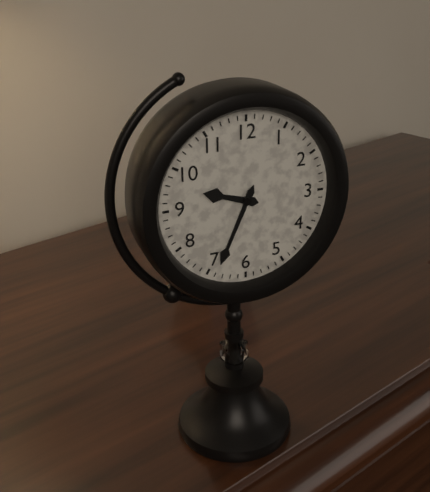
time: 9:34
